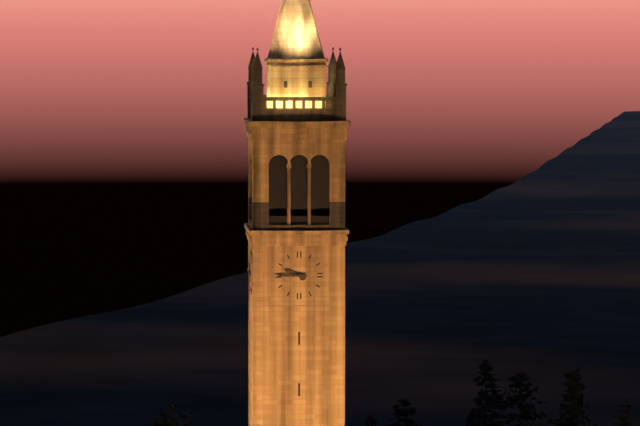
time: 9:45
